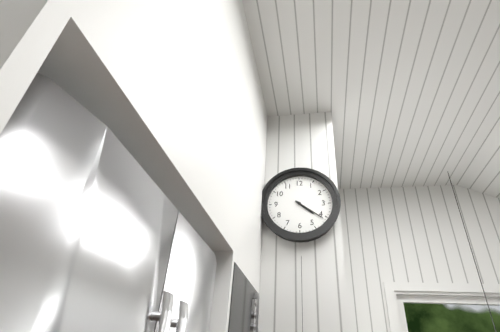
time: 4:21
